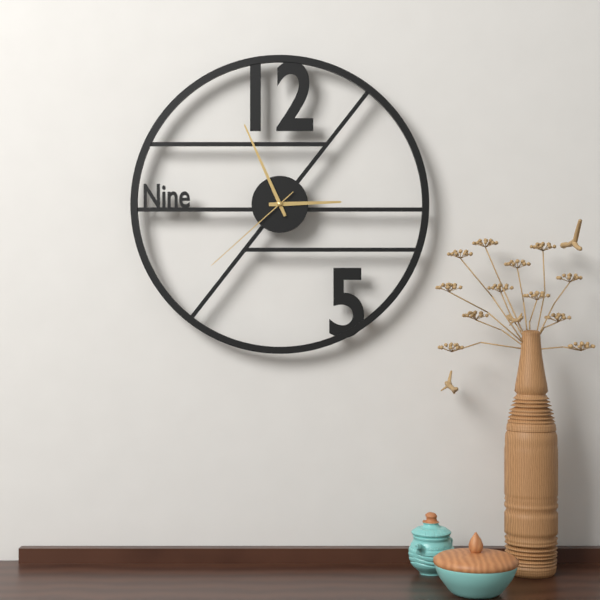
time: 2:56:38
